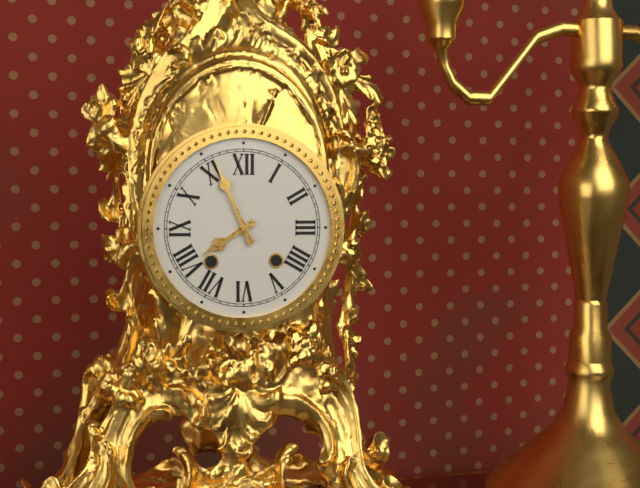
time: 7:56
